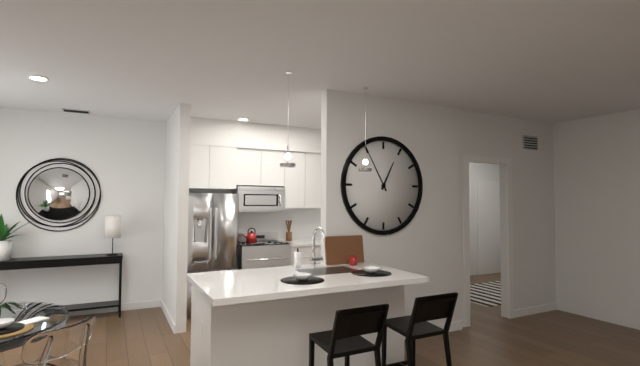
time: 12:55
